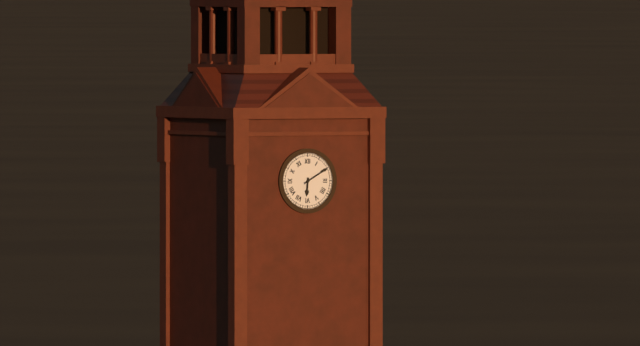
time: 6:10
